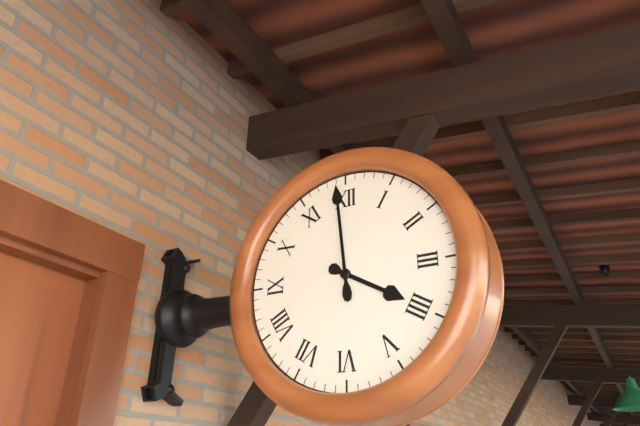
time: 3:59
